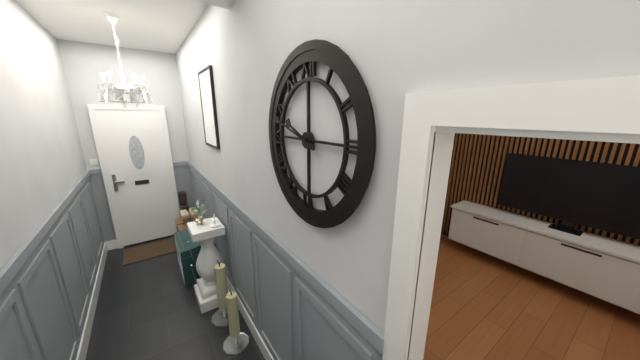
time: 9:48
